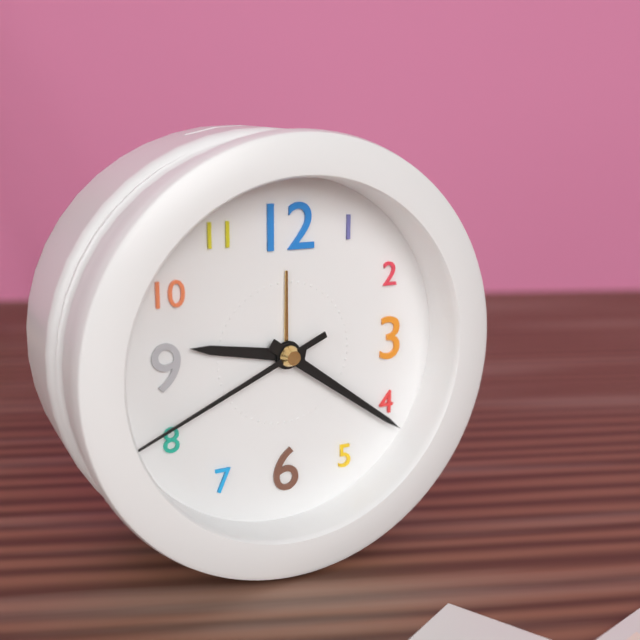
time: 9:21:41
